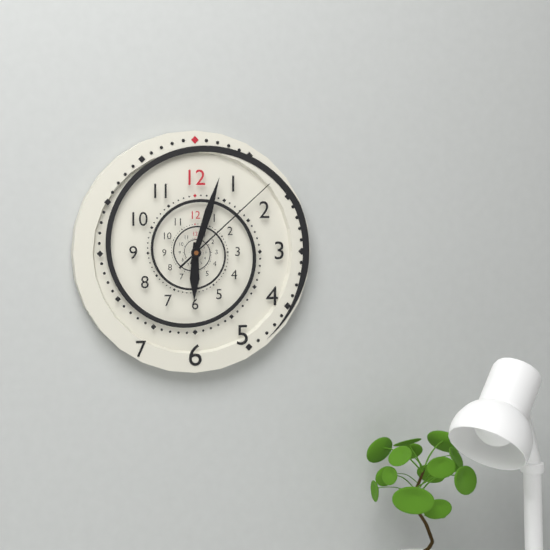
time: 6:03:08
